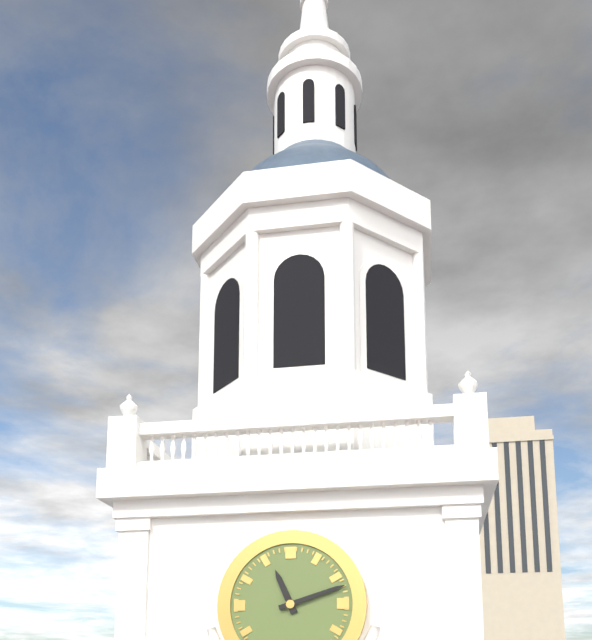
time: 11:12
